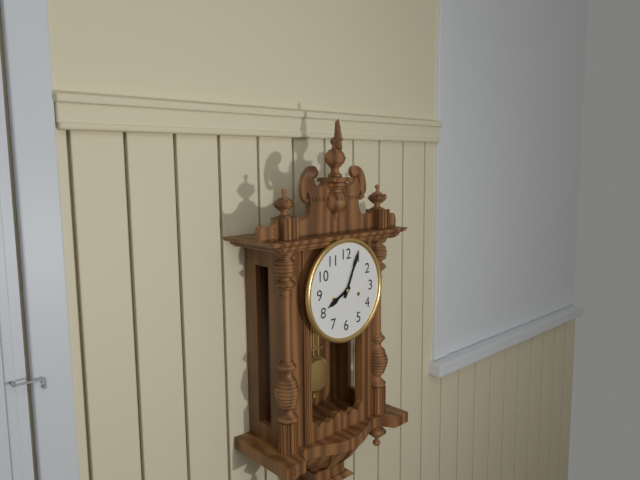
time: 8:04
